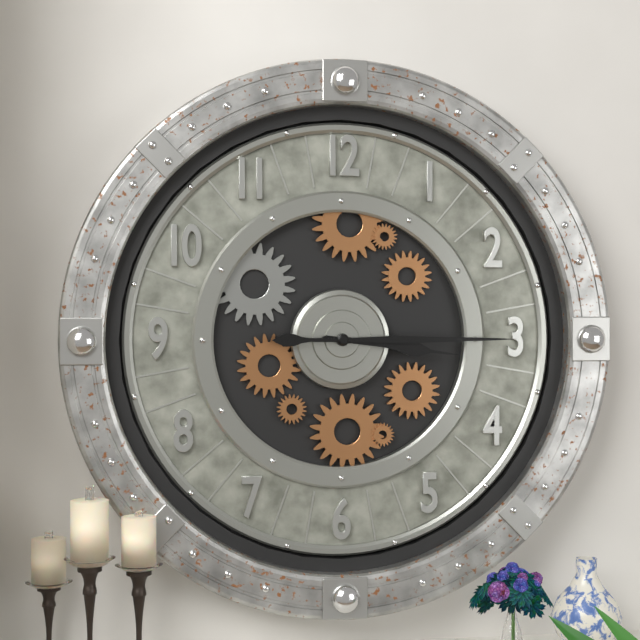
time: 3:15
